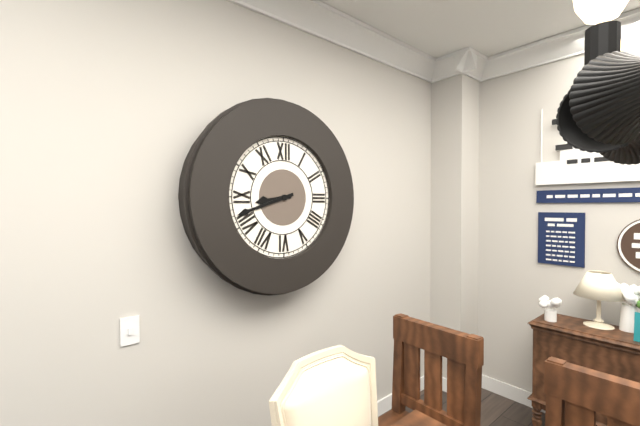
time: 8:42
